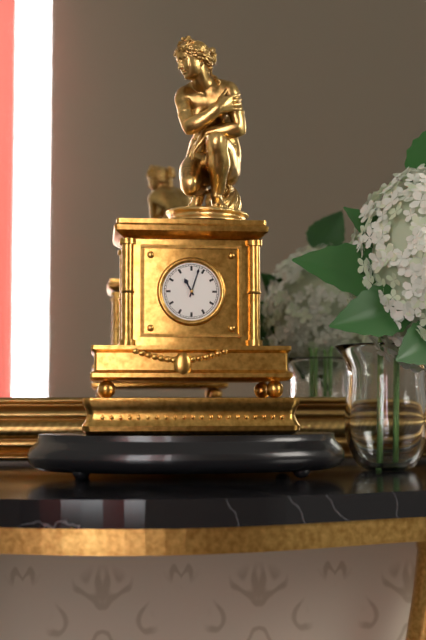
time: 11:03
